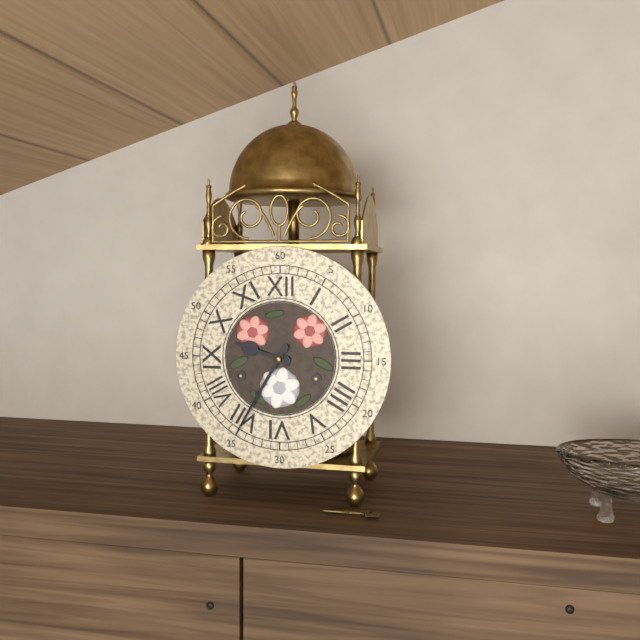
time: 9:35
